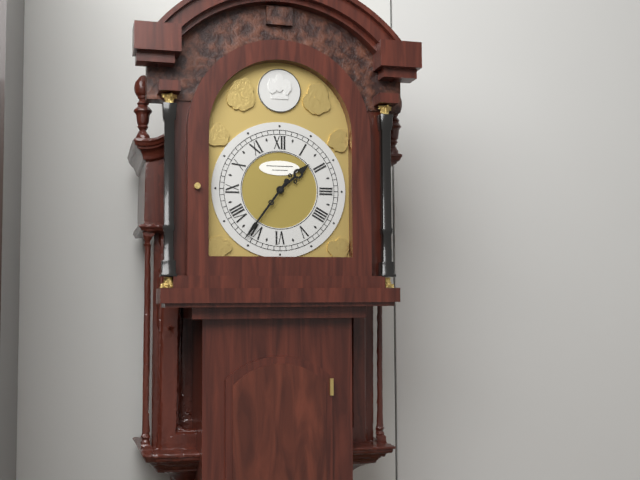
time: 1:36
